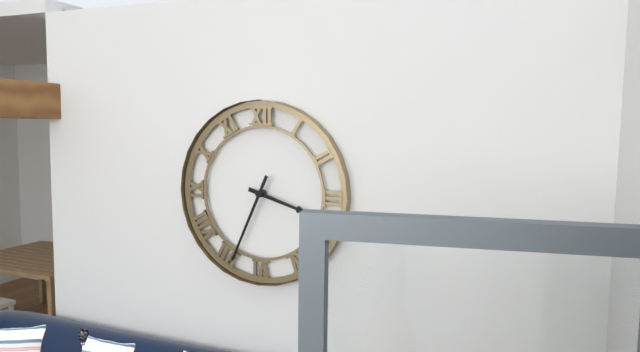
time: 3:34
